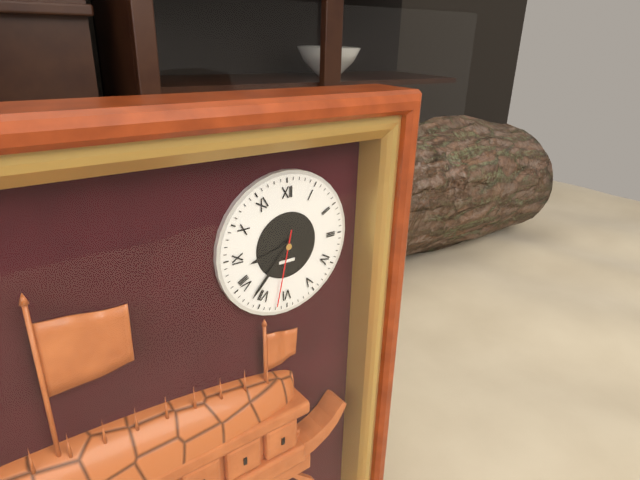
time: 8:37:32
